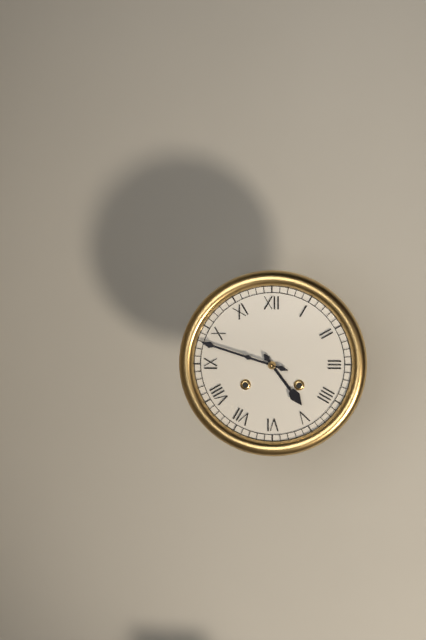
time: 4:48
